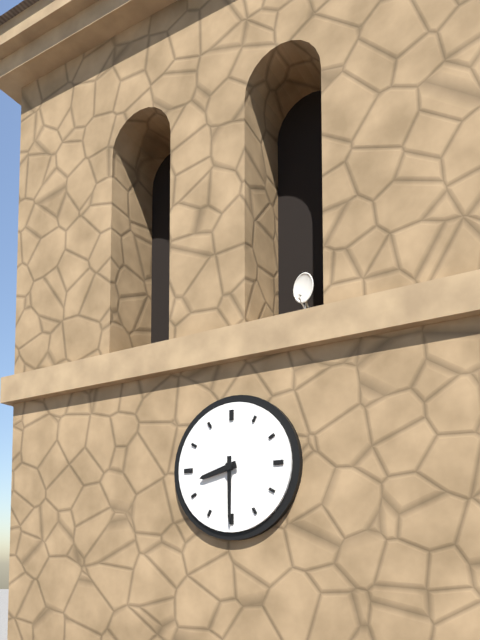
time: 8:30
